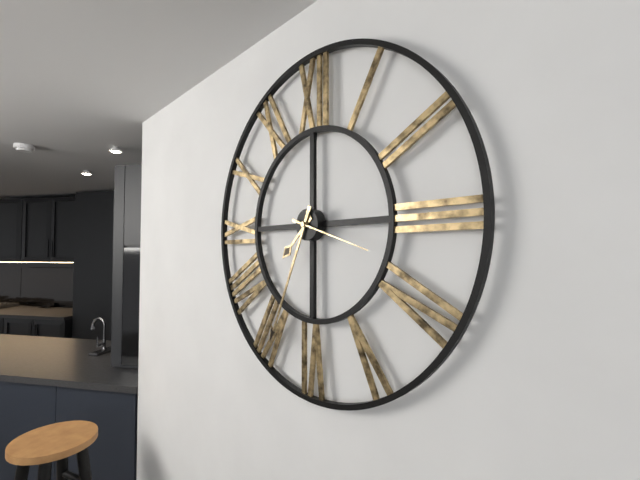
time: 7:34:18
